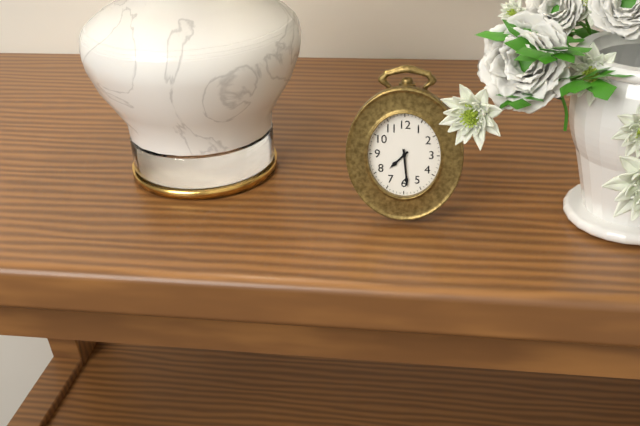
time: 7:29
